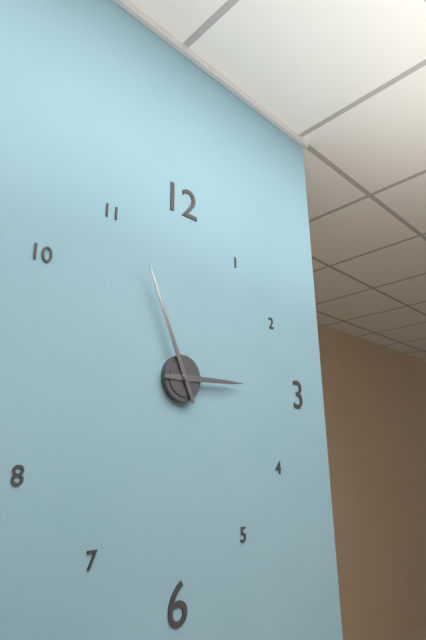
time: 2:56
